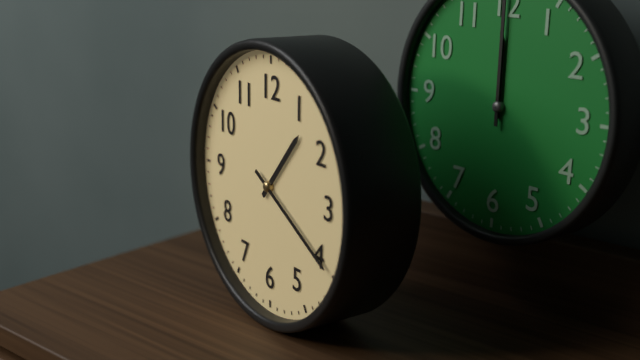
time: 1:20
